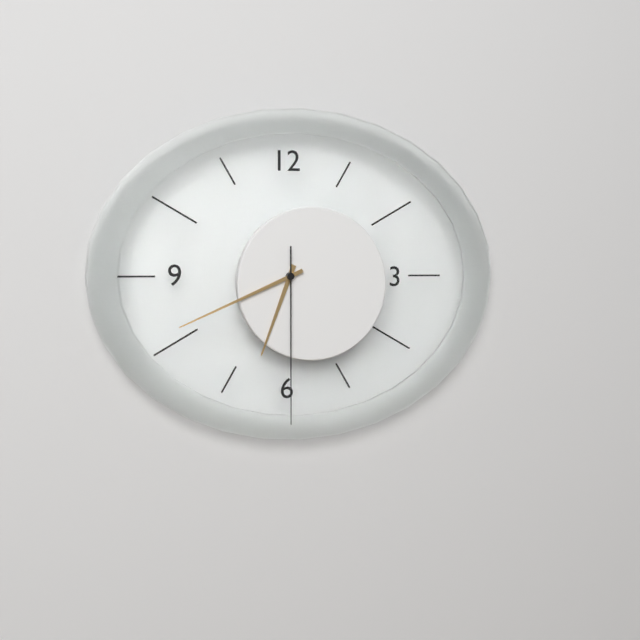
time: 6:41:30
